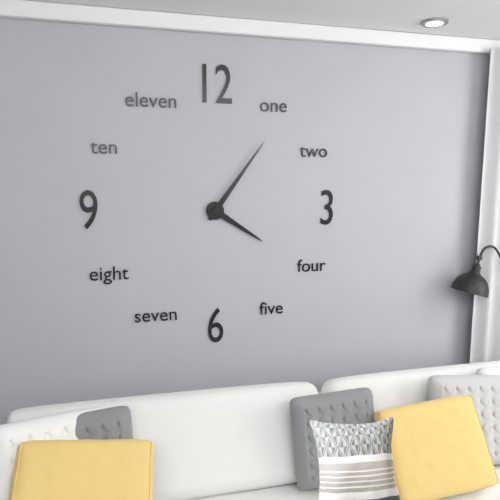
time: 4:06
